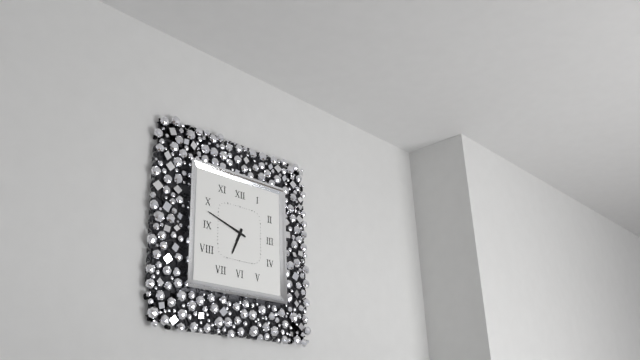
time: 6:48
